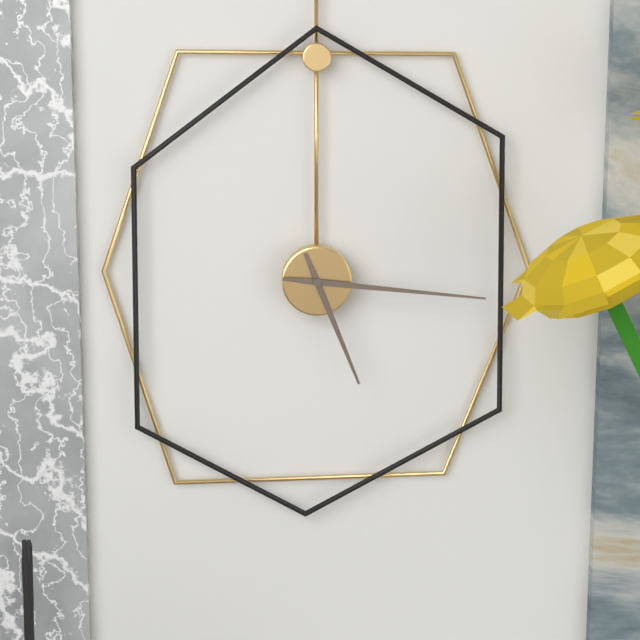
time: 5:16
